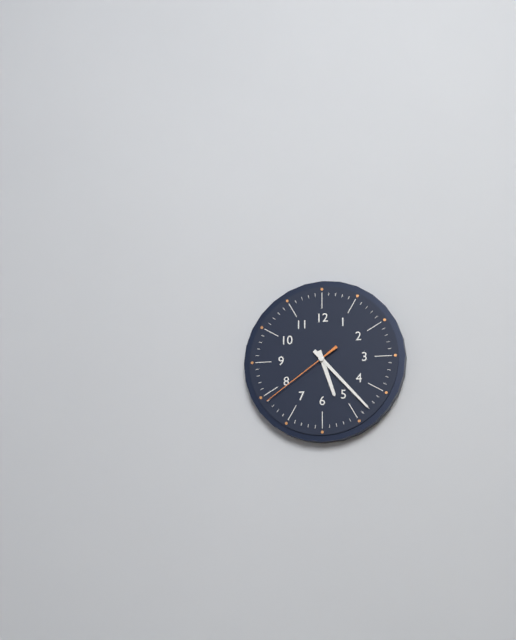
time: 5:23:39
